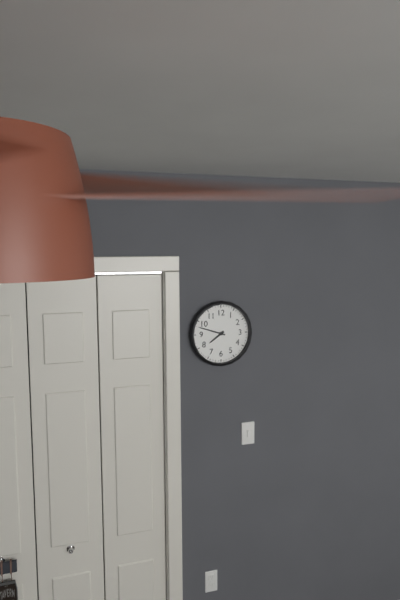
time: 7:48
